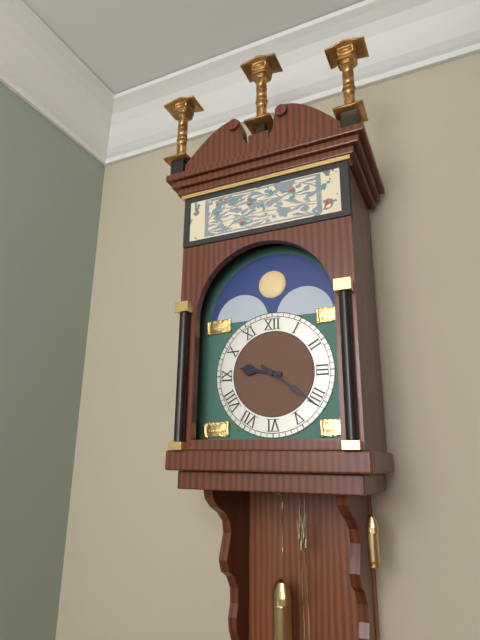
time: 9:21
